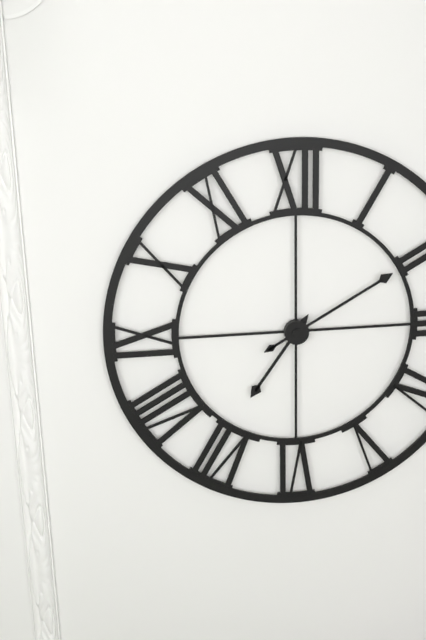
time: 7:10
